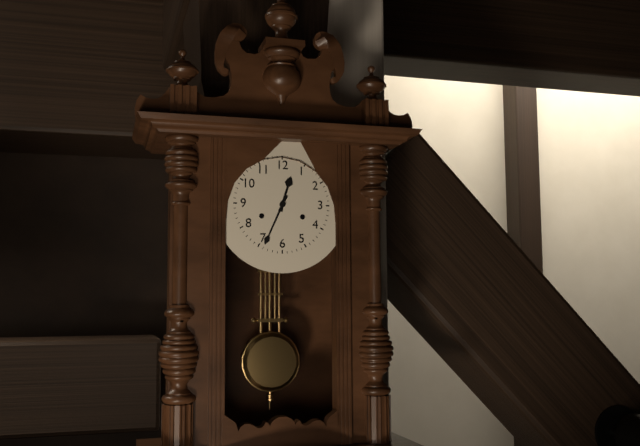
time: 12:34
